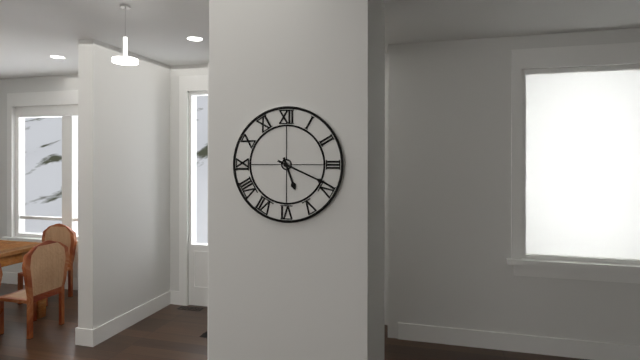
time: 5:19
